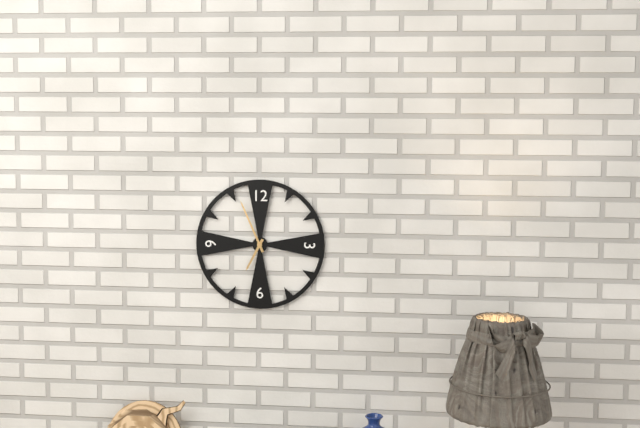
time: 6:56
